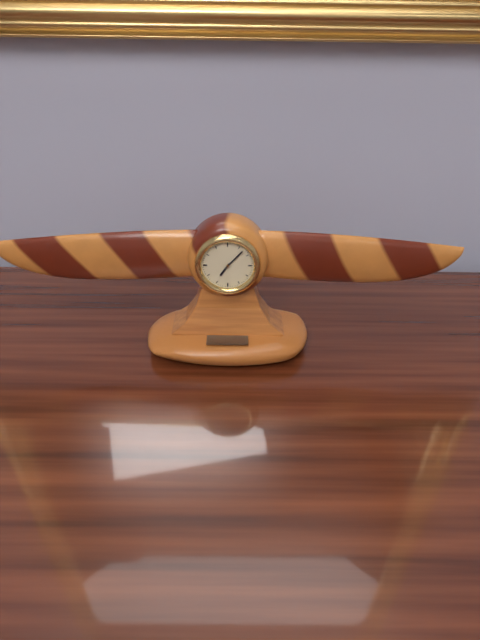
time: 7:07
